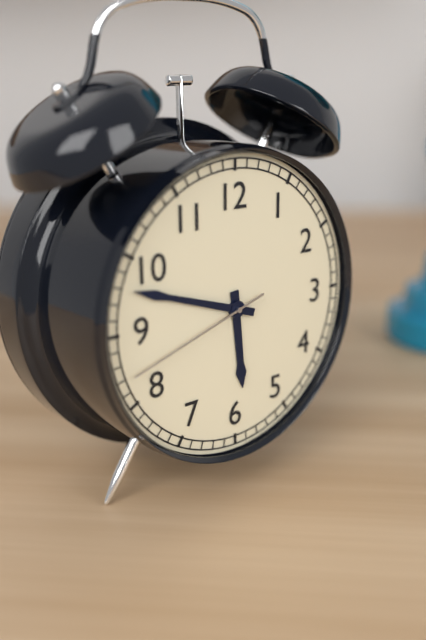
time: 5:48:42
